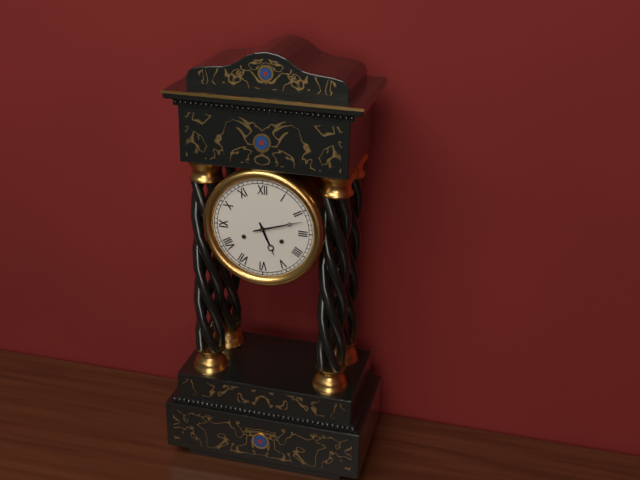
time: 5:12
